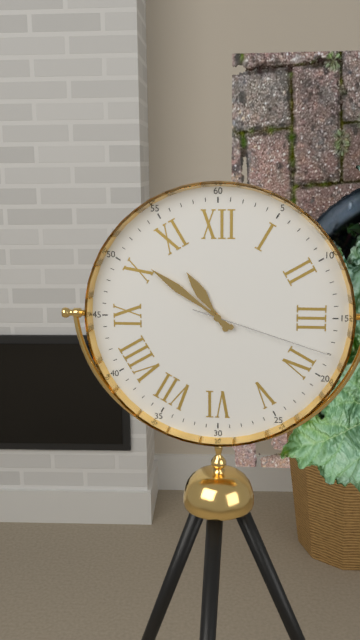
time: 10:51:18
